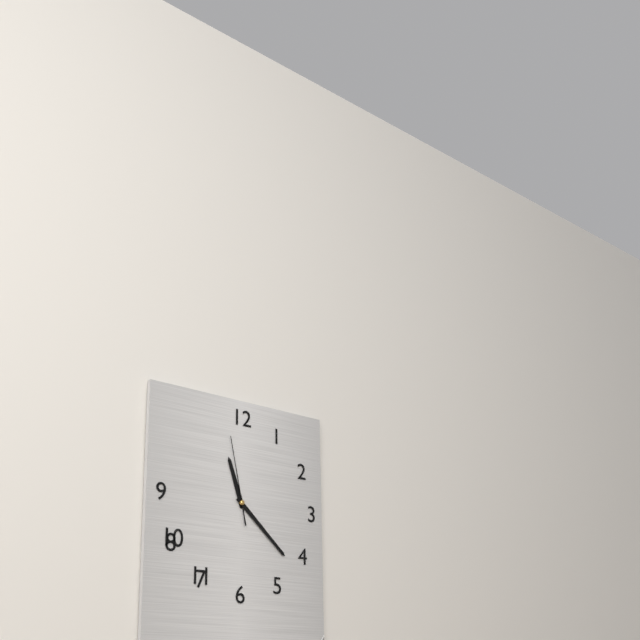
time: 11:22:58
